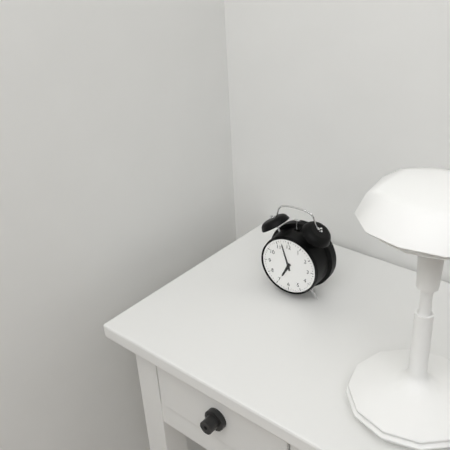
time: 6:57
